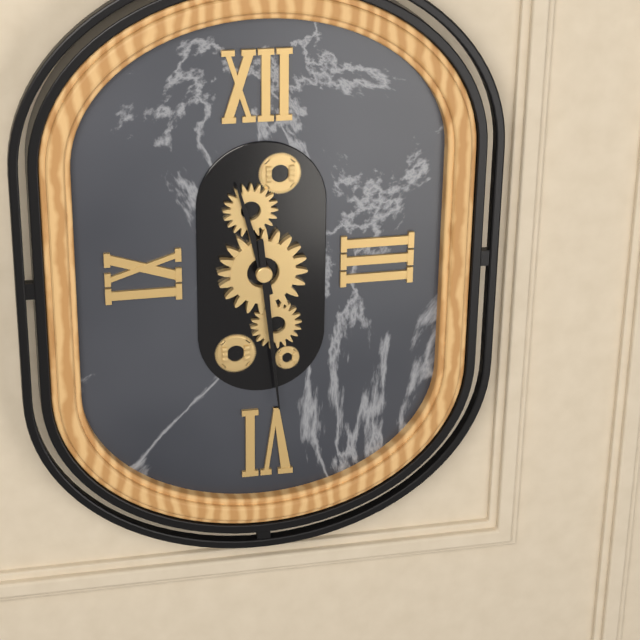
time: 11:29
